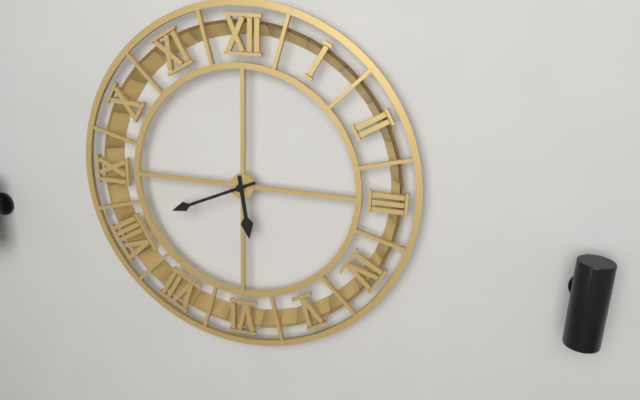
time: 5:41
